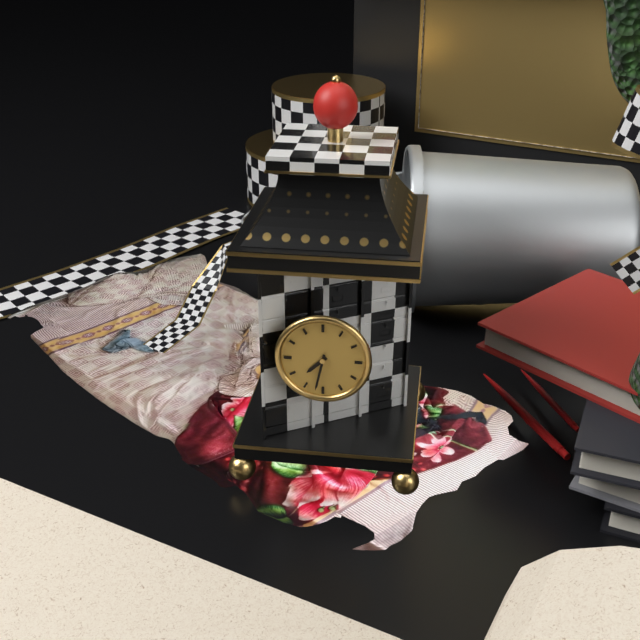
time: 7:32
